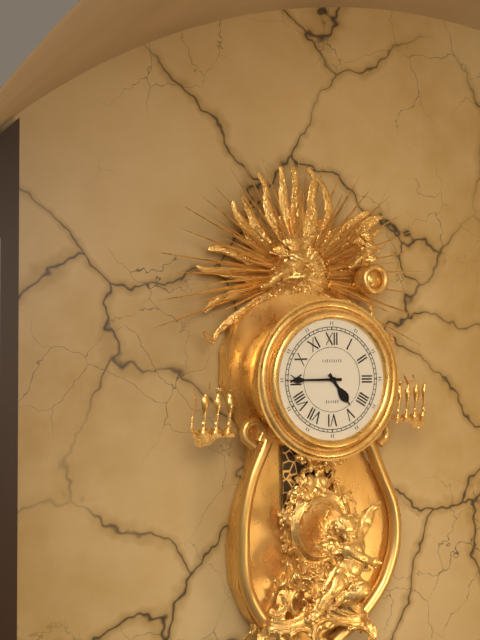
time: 4:45
